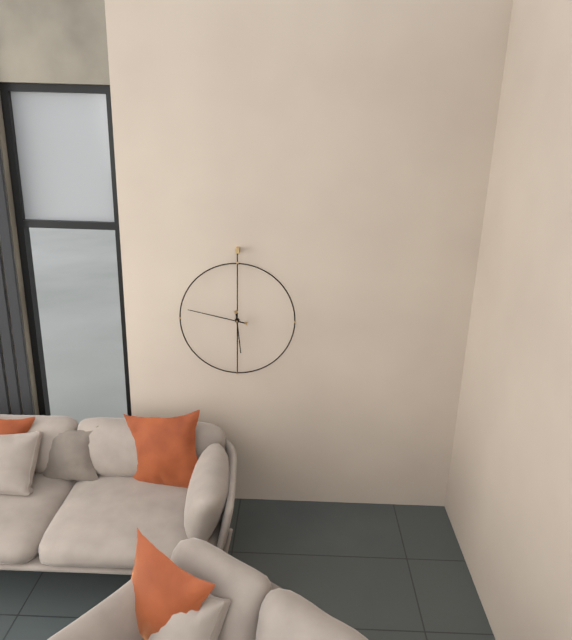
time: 5:47
